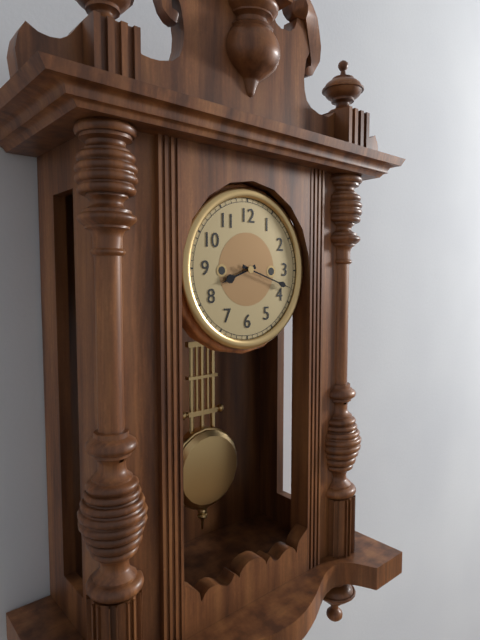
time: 8:18
